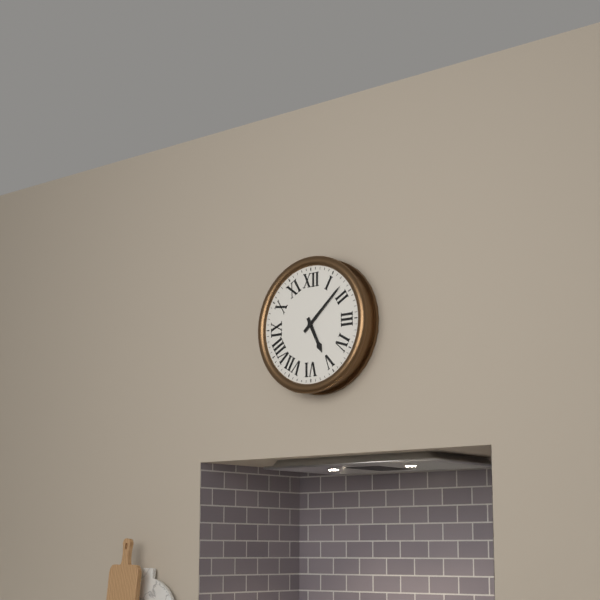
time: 5:08
